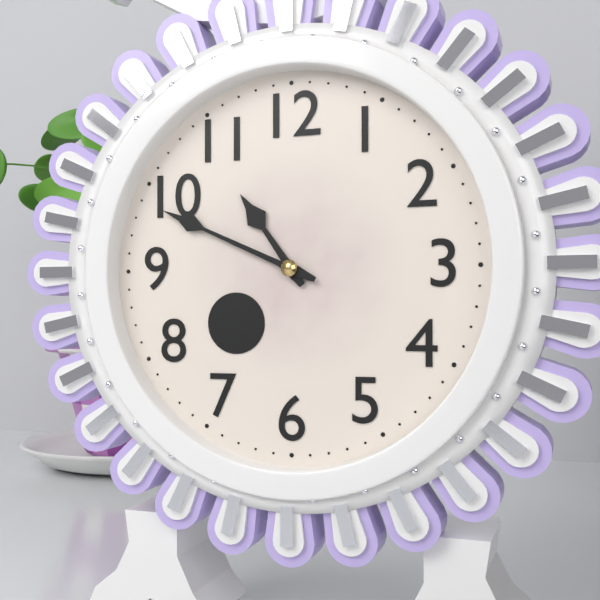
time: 10:49
